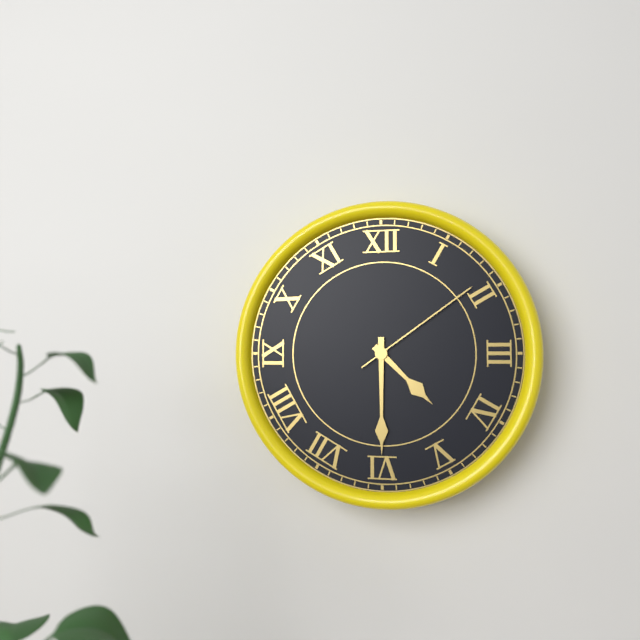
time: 4:30:09
